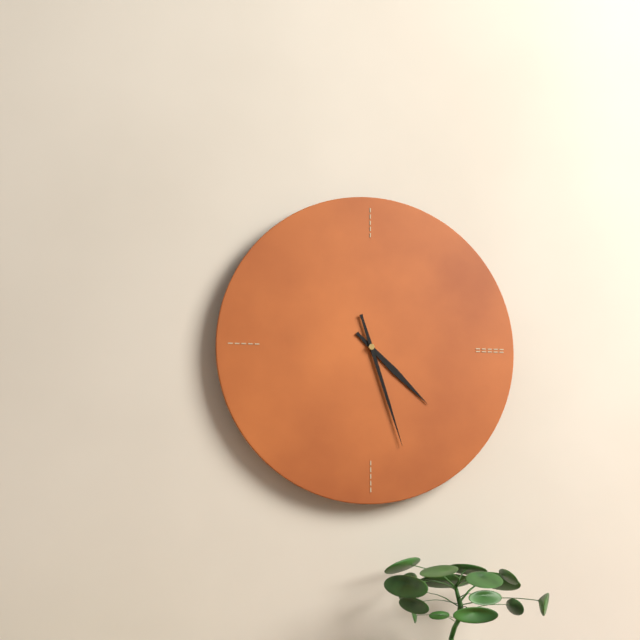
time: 4:27
